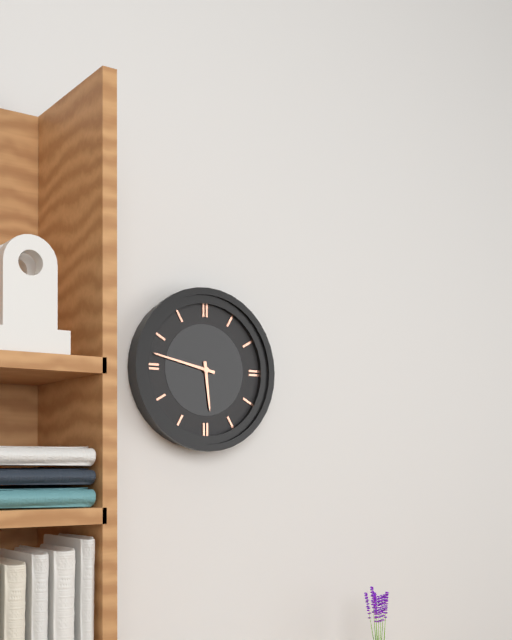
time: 5:47
